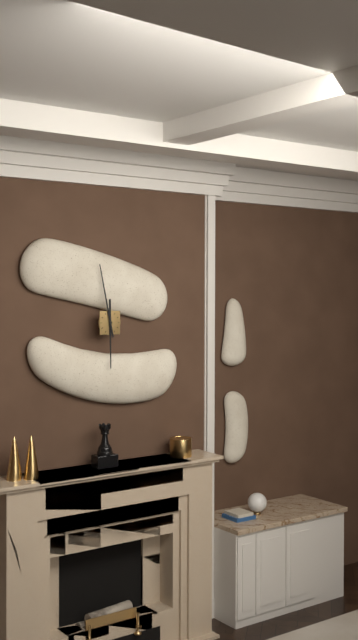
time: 5:58
